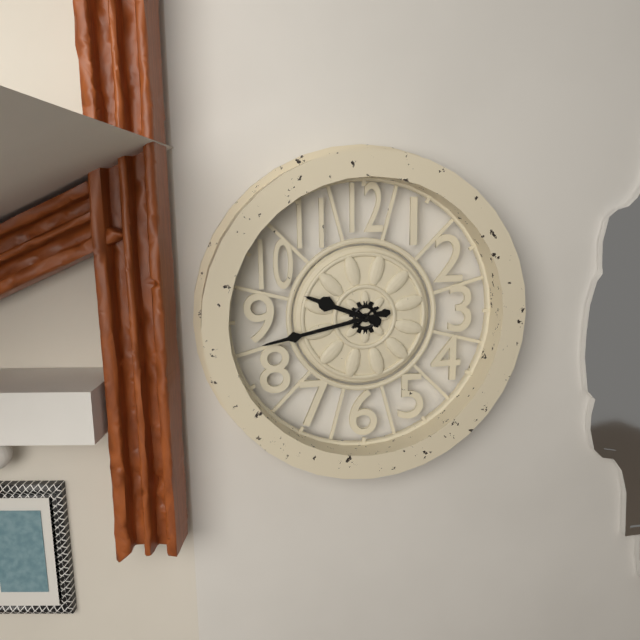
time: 9:43
